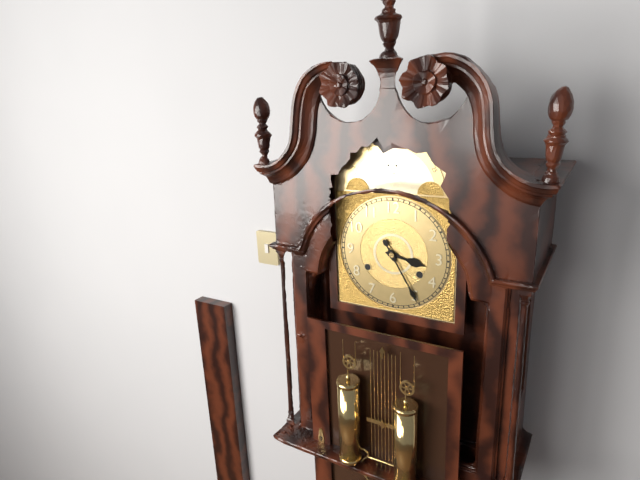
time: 3:25
